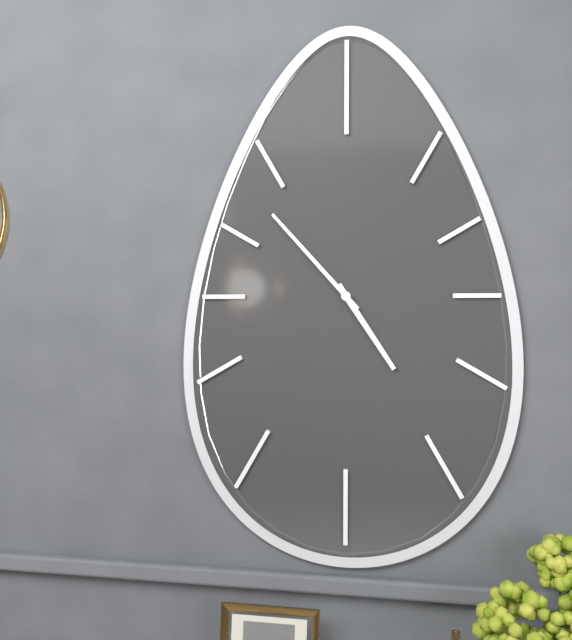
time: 4:53
